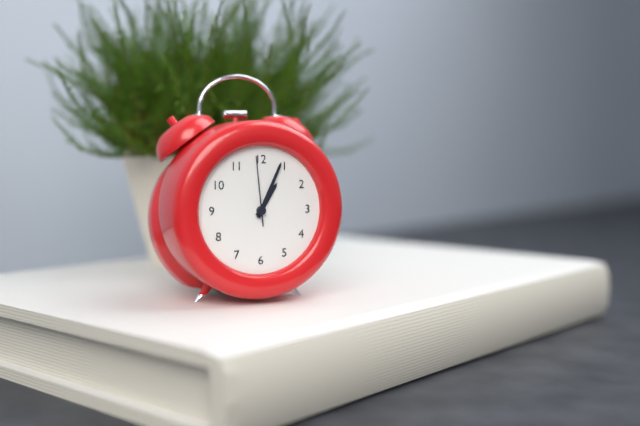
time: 1:04:59
